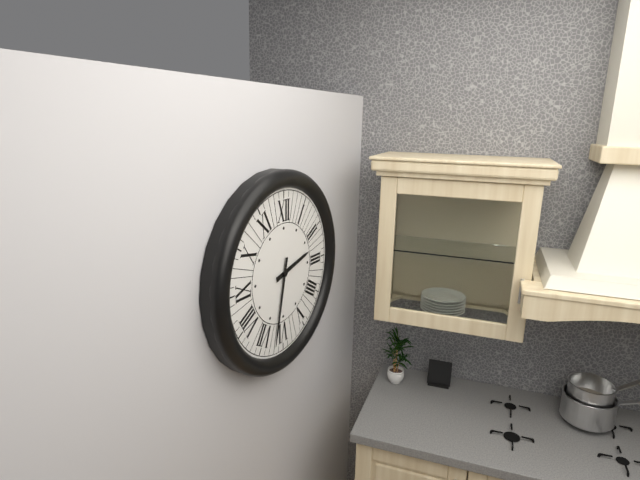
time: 2:32
